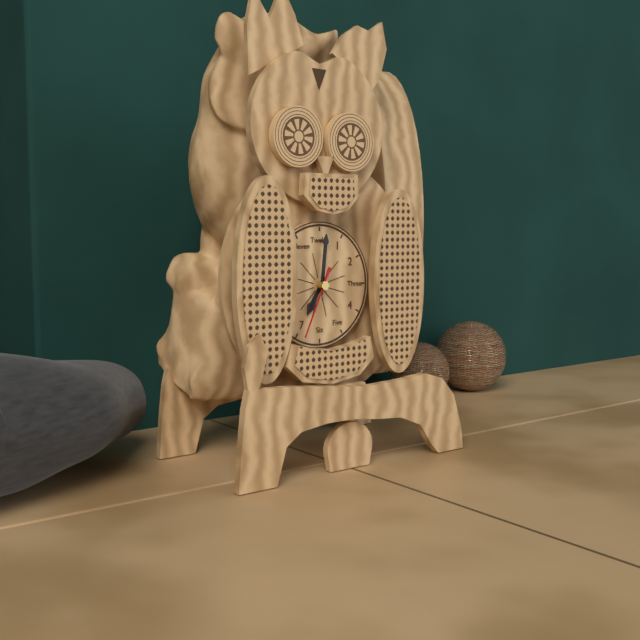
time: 7:01:34
